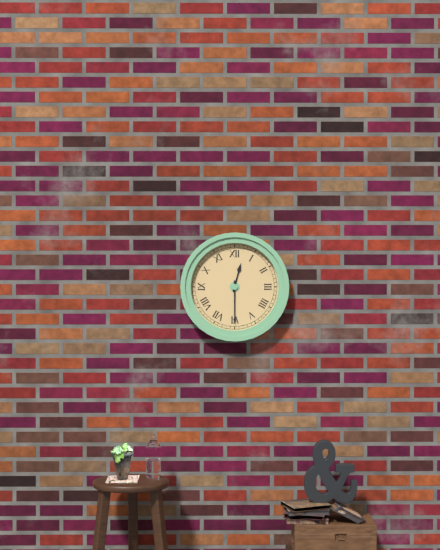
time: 12:30
